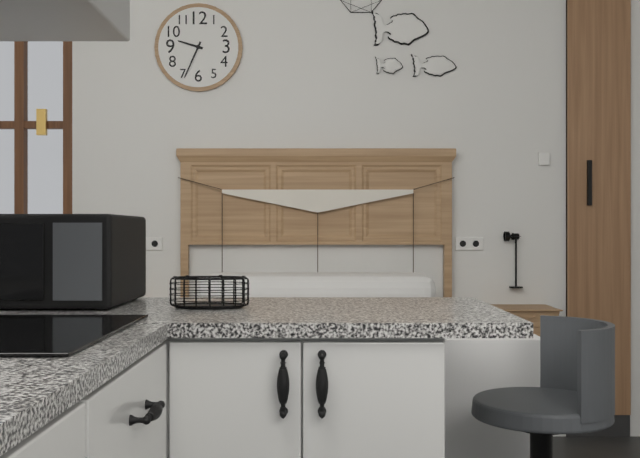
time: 9:34
